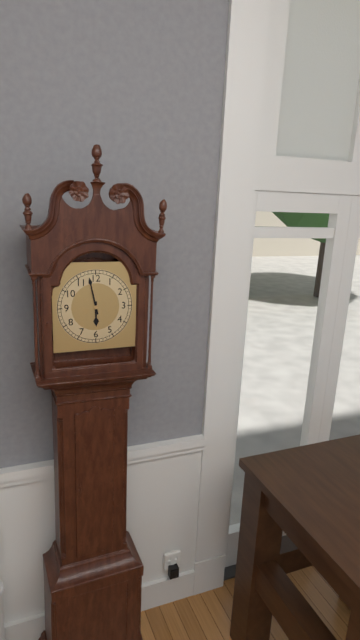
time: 5:58
